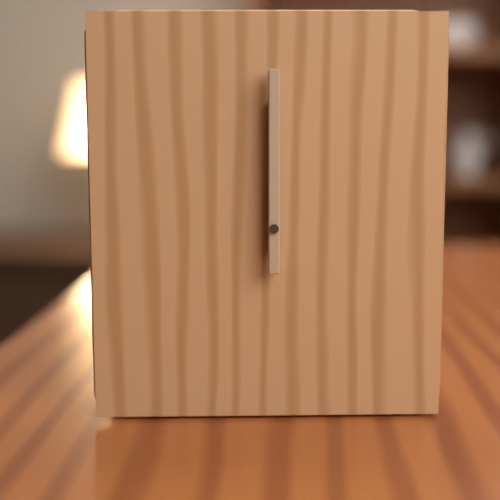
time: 12:00
